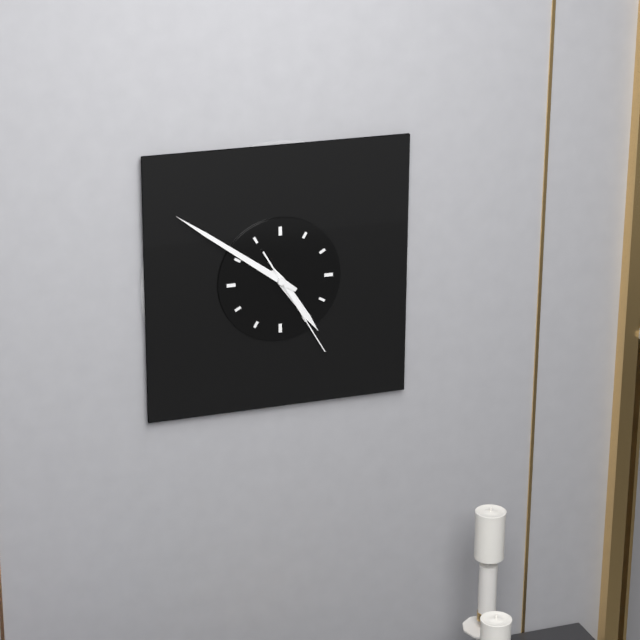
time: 4:51:25
